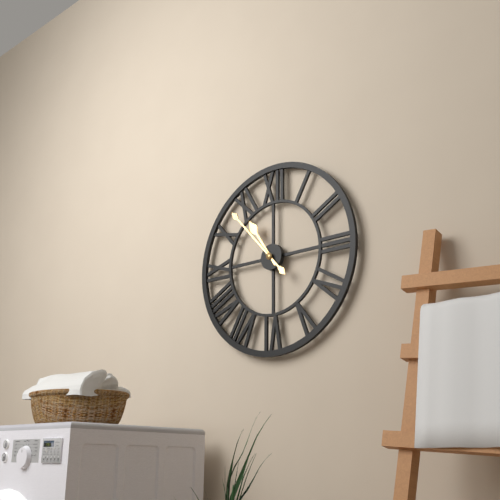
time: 10:53
